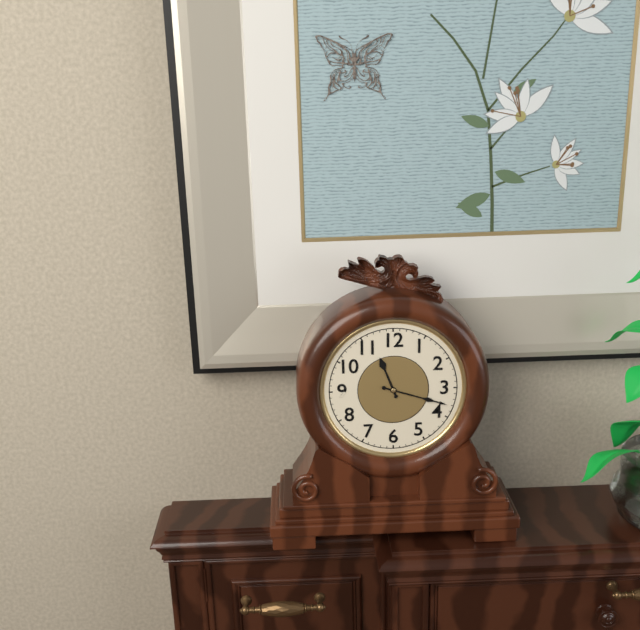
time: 11:18
